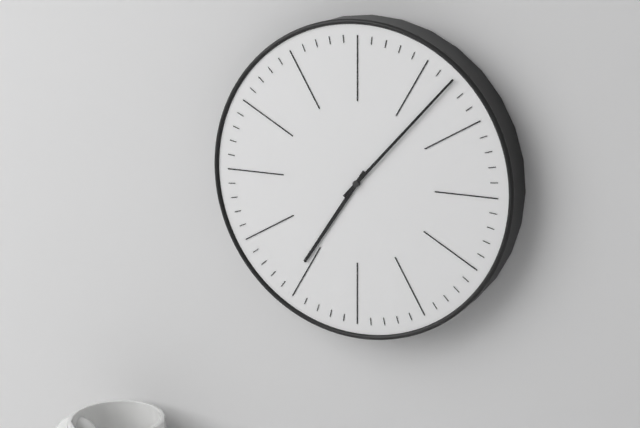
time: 7:07
